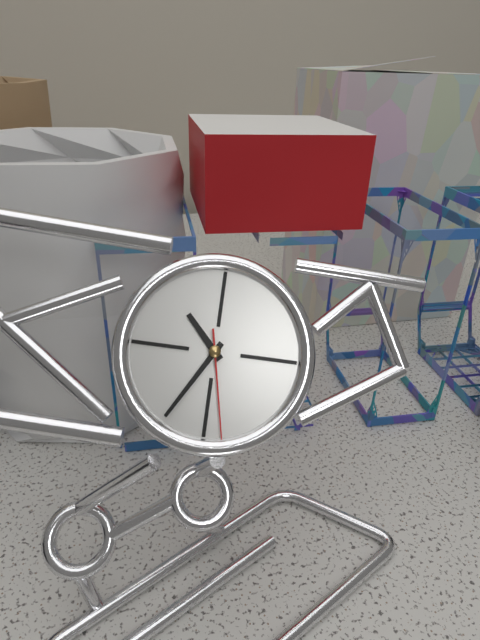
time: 10:35:28
